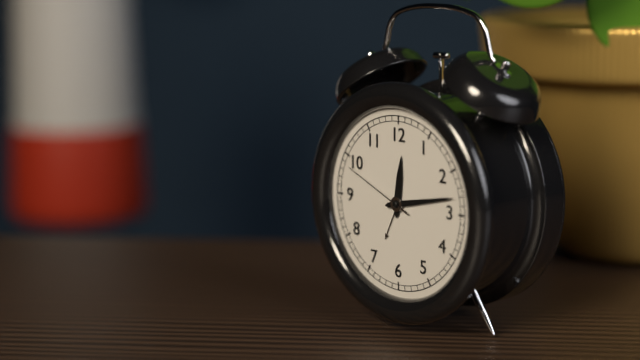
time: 12:13:49
